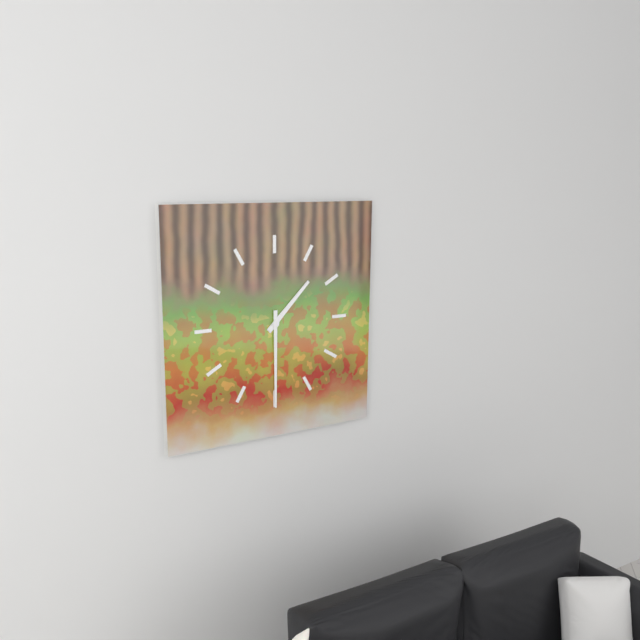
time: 1:30
